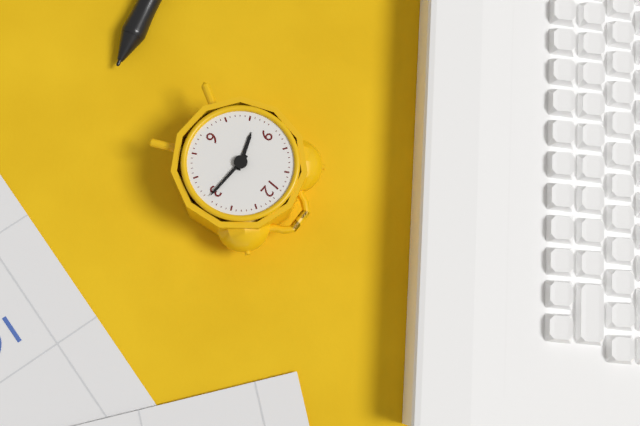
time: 8:15
